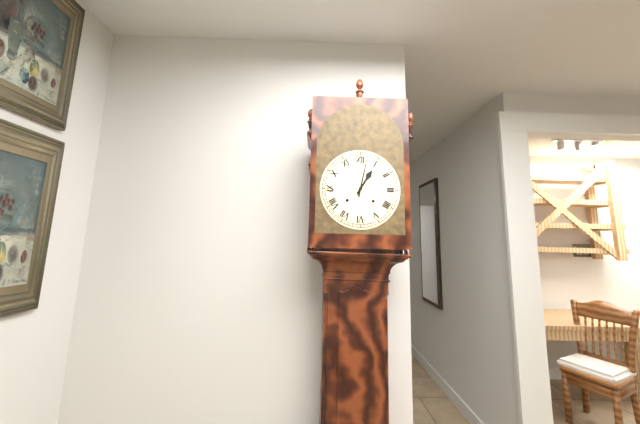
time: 1:02
